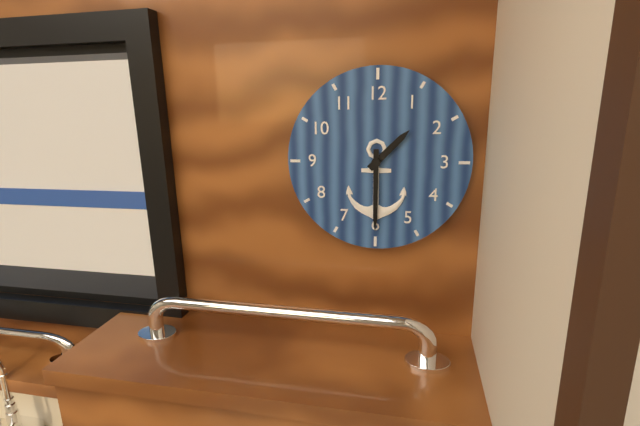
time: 1:30
